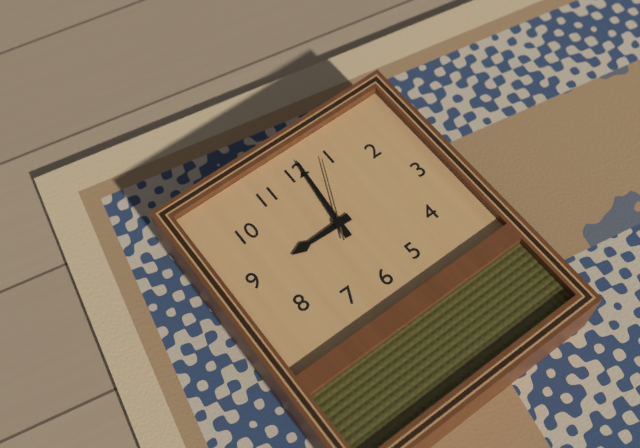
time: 9:01:04
